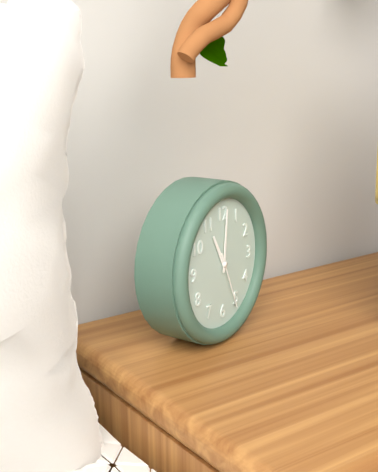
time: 11:01:26
